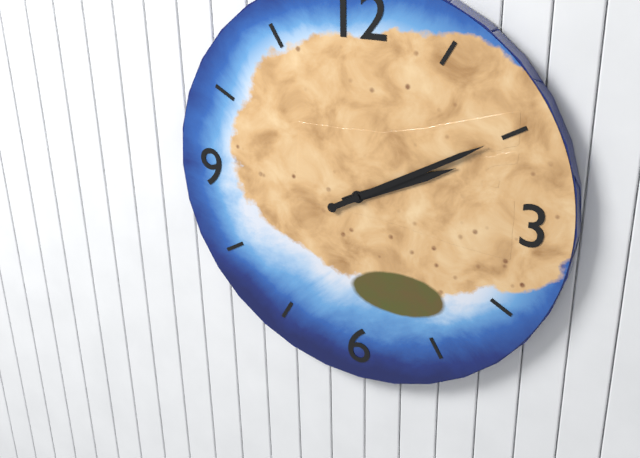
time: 2:10
